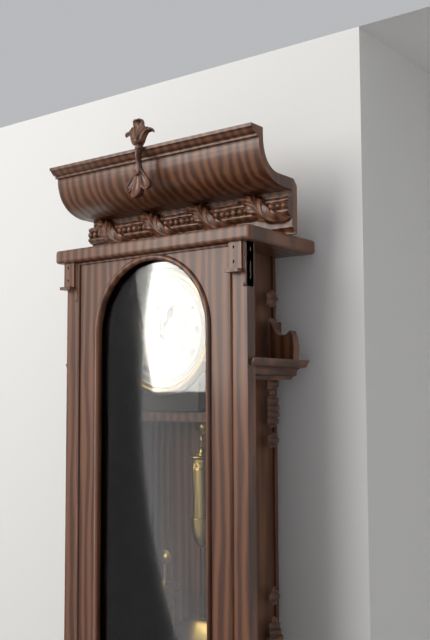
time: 12:58
